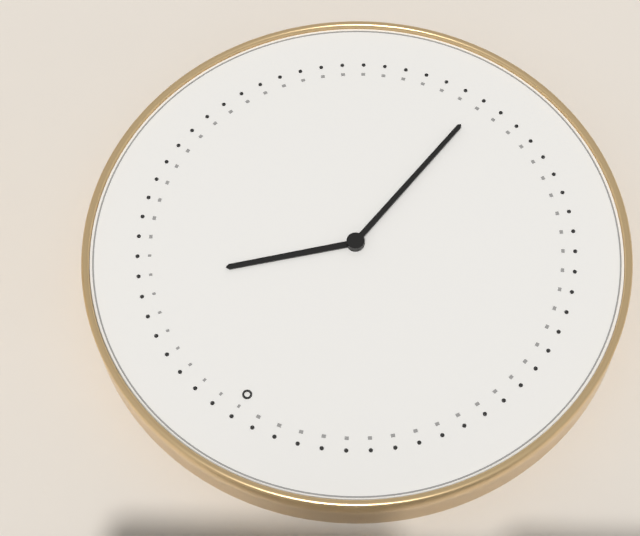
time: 1:31
